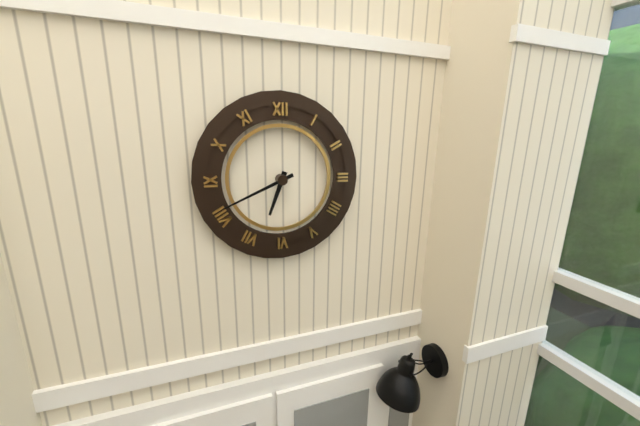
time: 6:41
